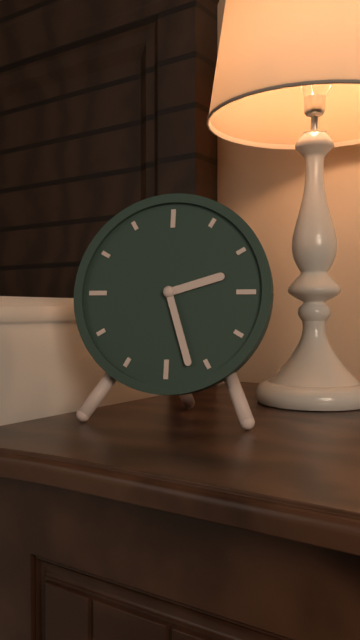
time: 2:27
